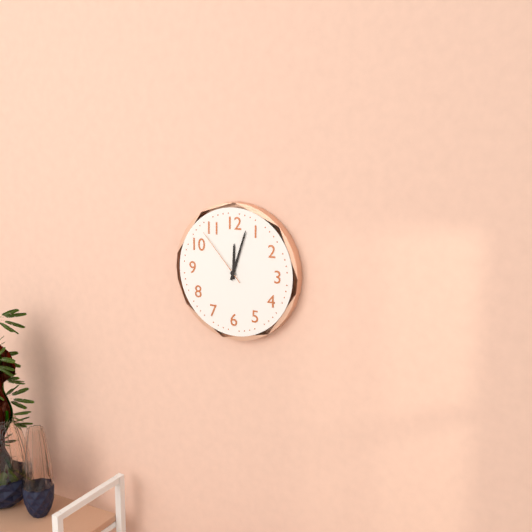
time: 12:03:53
